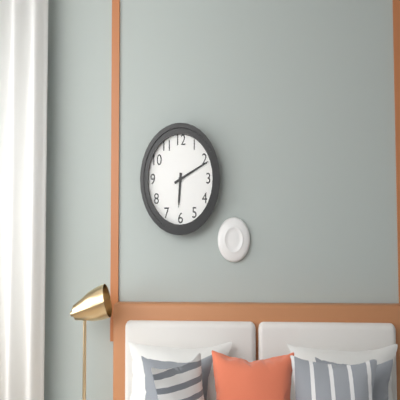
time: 6:11
